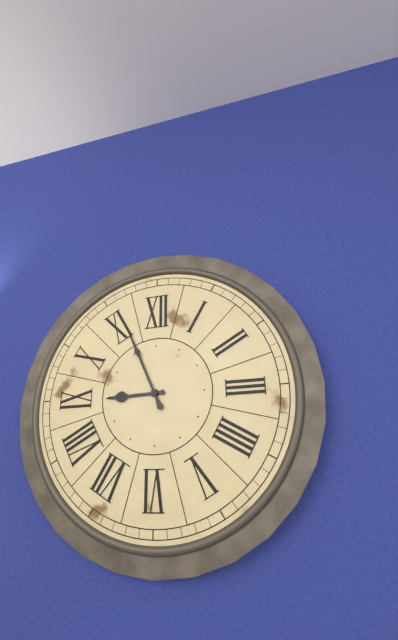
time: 8:56
